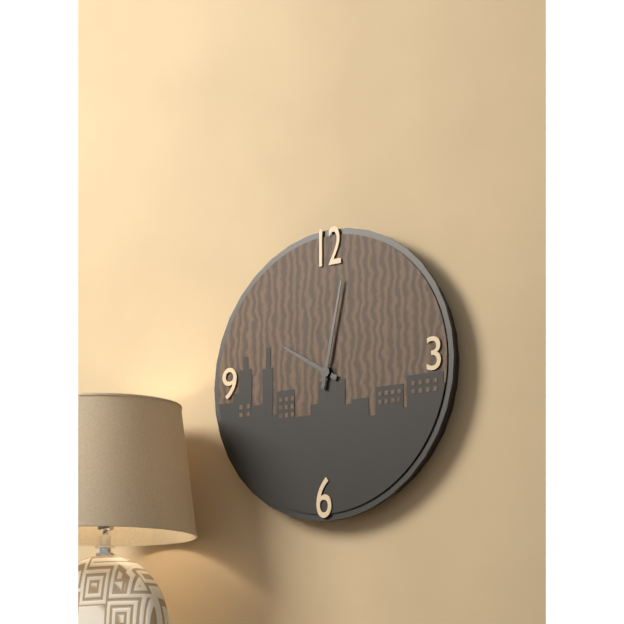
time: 10:02
